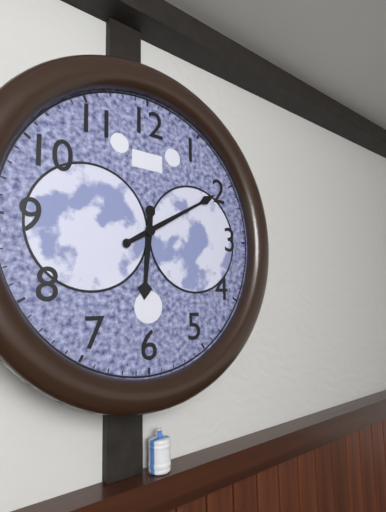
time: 6:10
